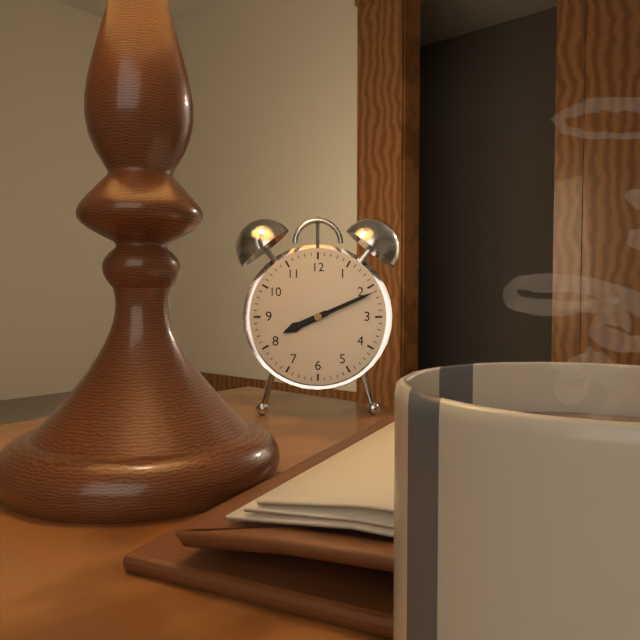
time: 8:11
